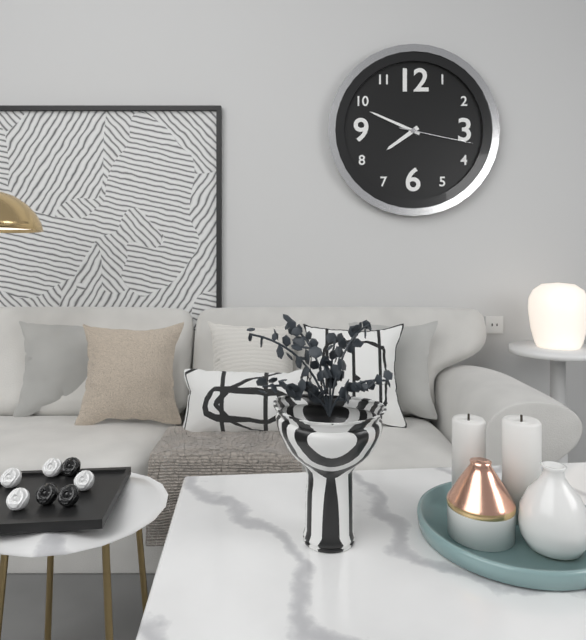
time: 7:49:17
